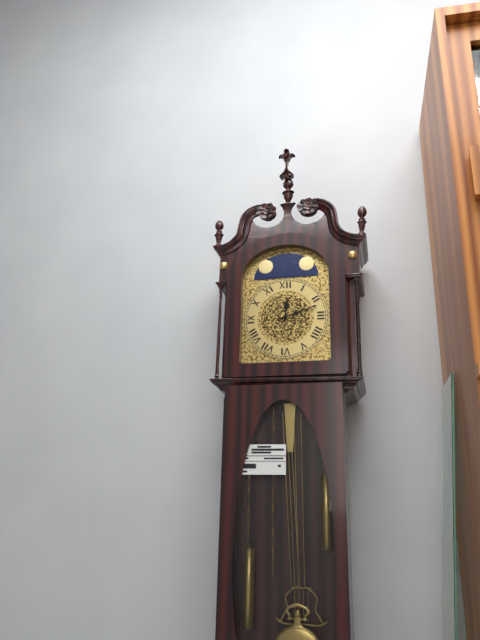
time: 12:12
